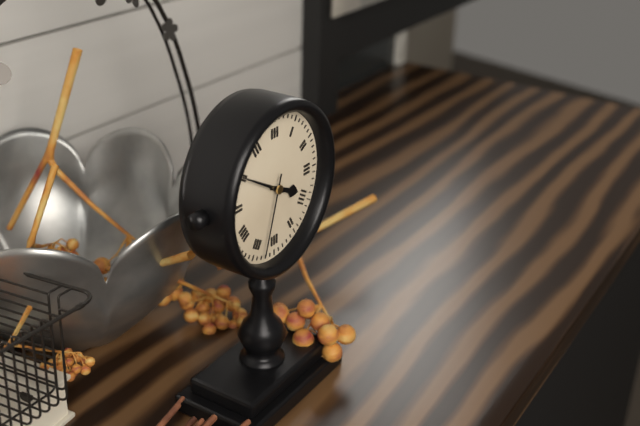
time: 3:50:33
